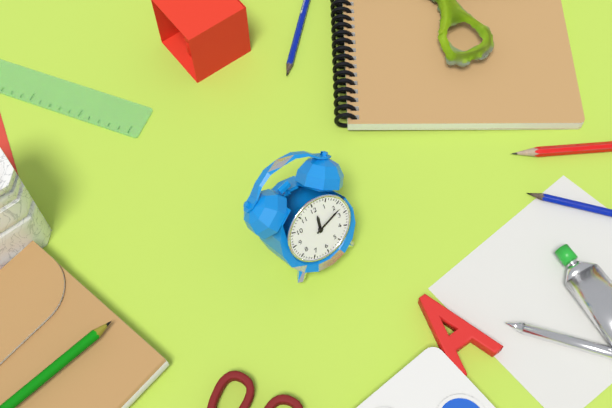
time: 12:12
